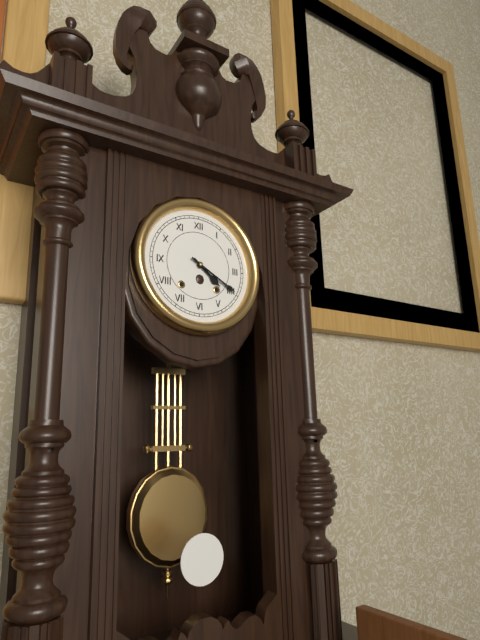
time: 4:20
